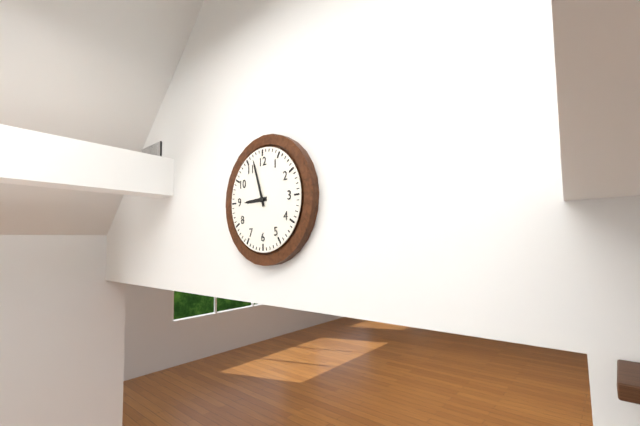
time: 8:57
